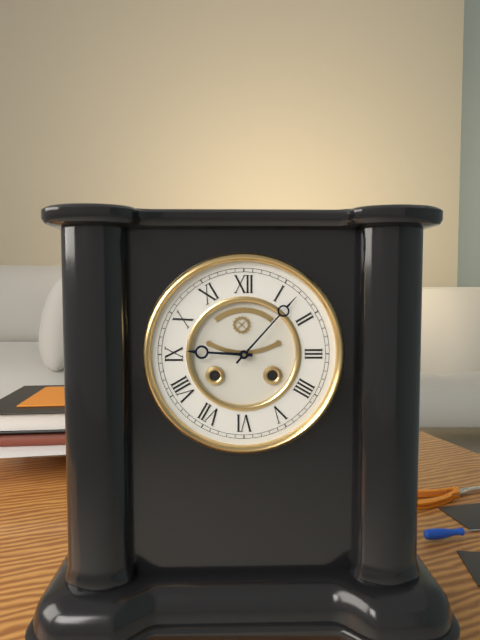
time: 9:07
